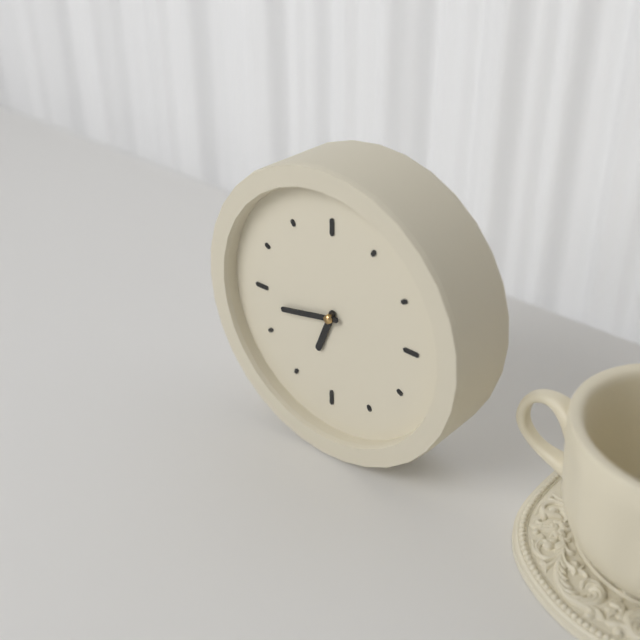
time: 6:43
